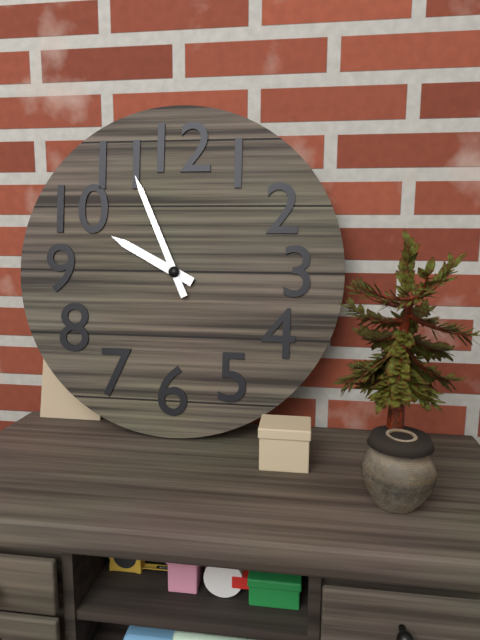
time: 9:56
